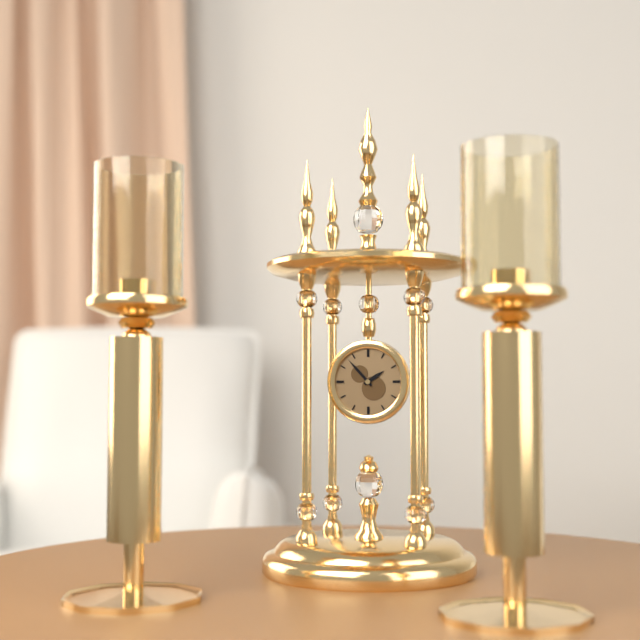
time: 1:53
